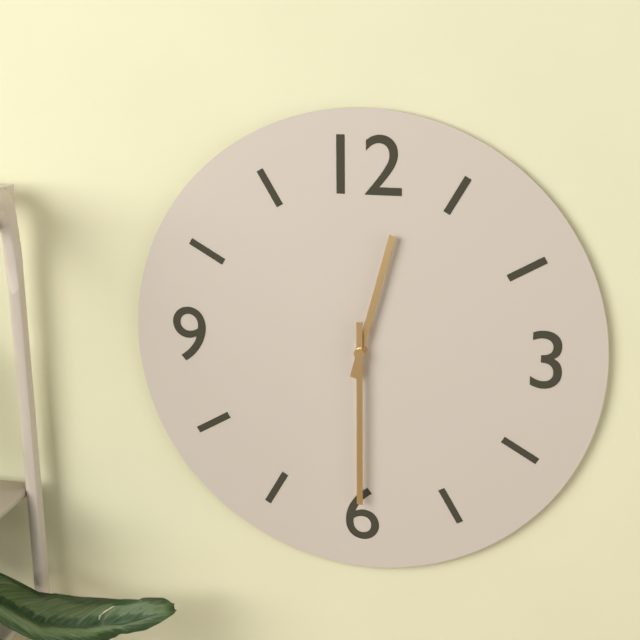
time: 12:30
